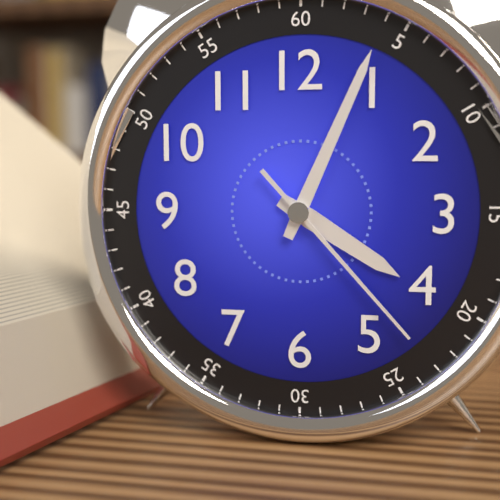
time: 4:04:23
